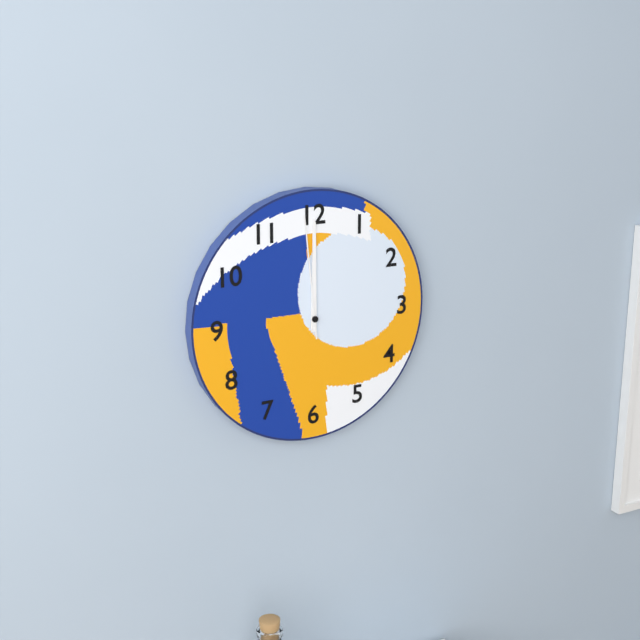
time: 12:00:59
